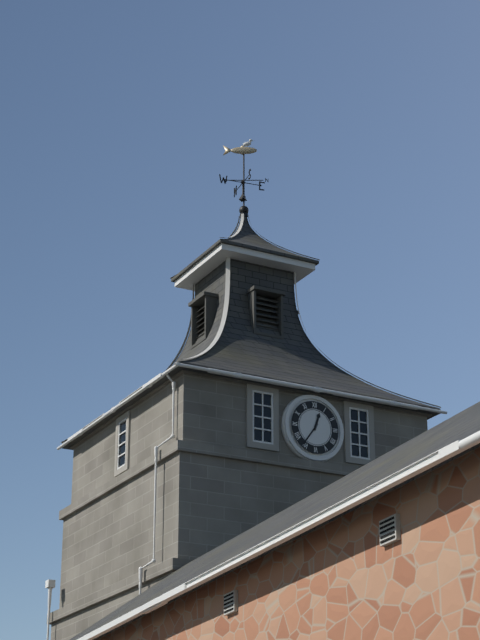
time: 12:36
